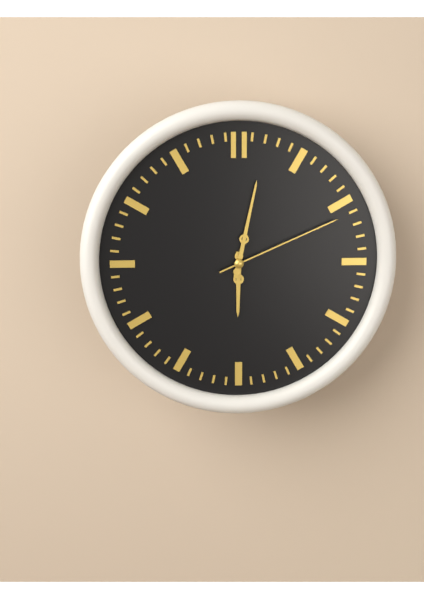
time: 6:02:11
